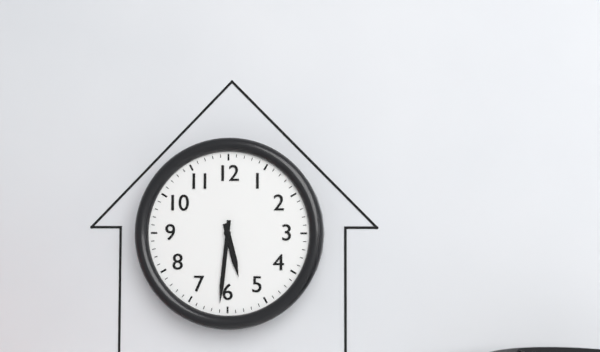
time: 5:31
